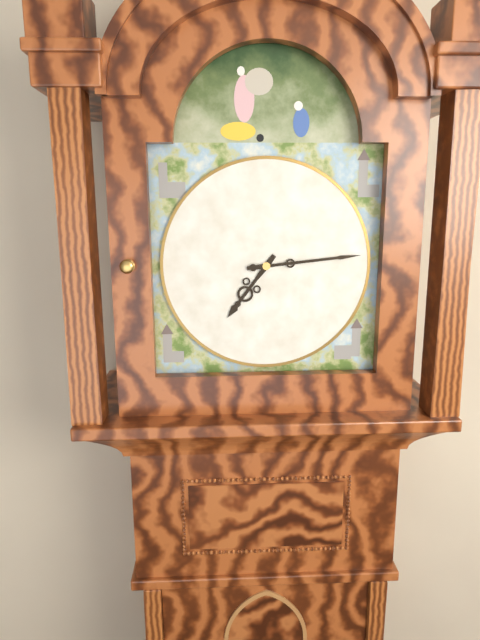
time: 7:14
